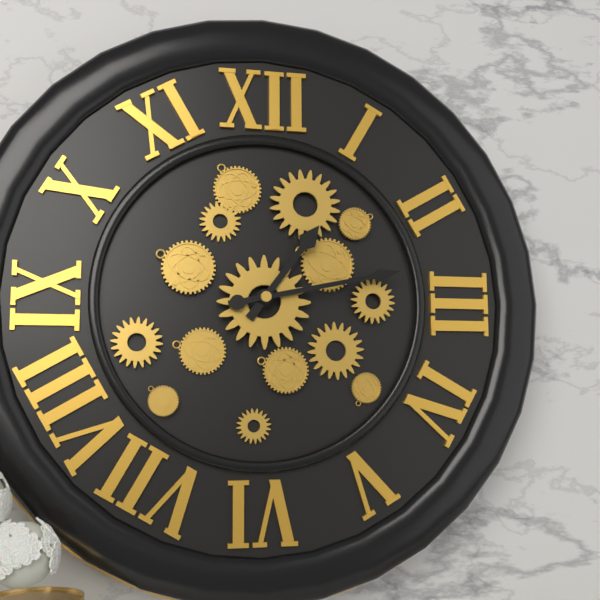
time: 1:13
